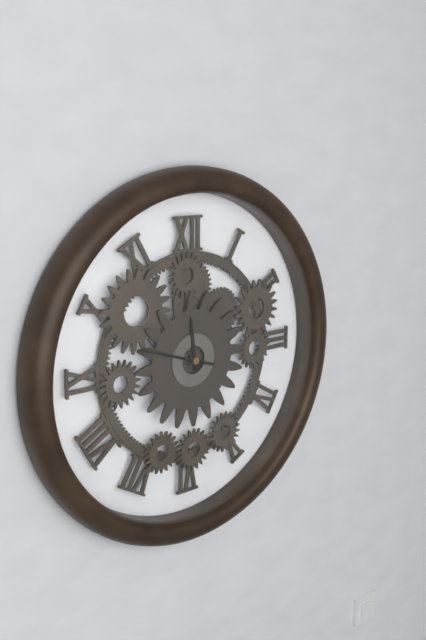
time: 11:48
